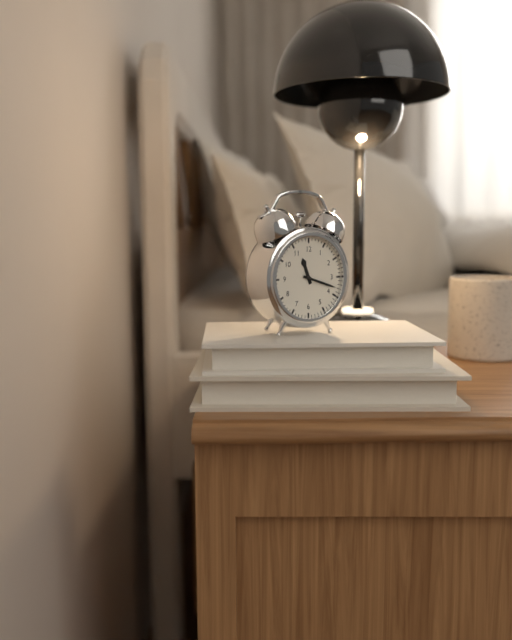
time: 11:18
